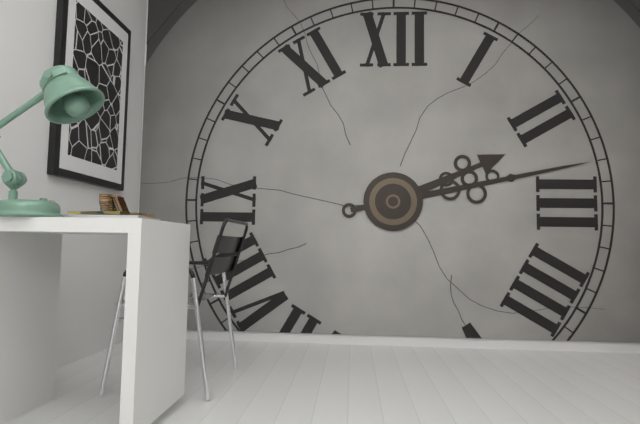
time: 2:13
